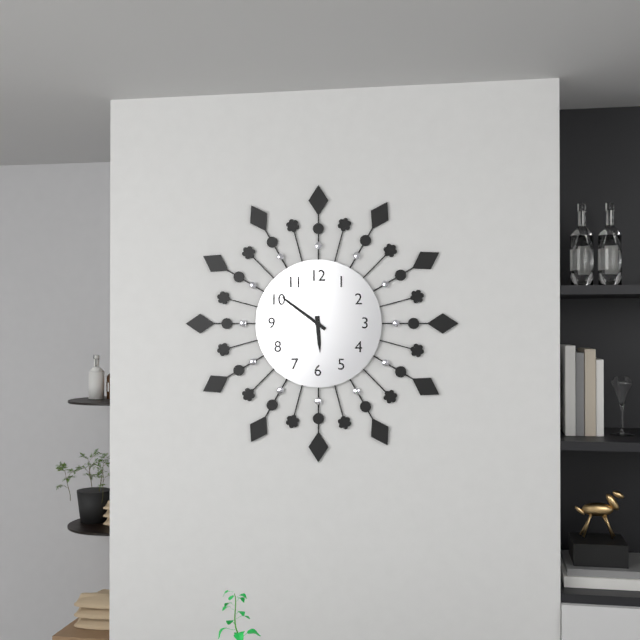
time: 5:51
